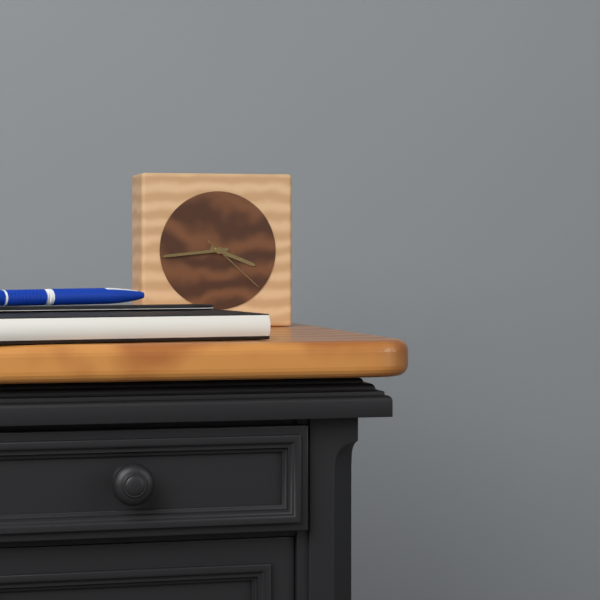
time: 3:44:22
